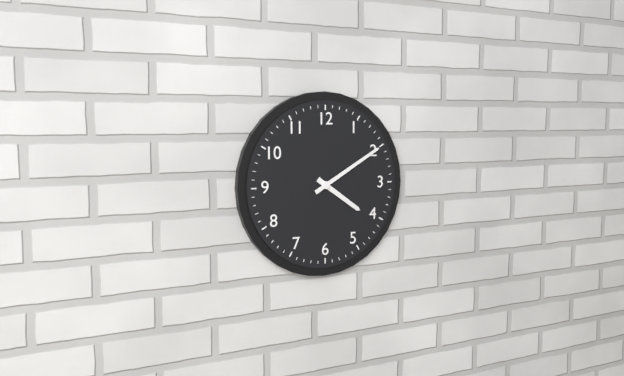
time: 4:10
